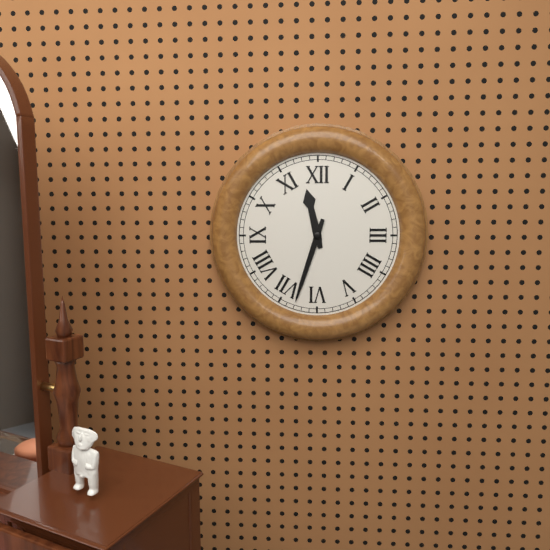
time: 11:33
